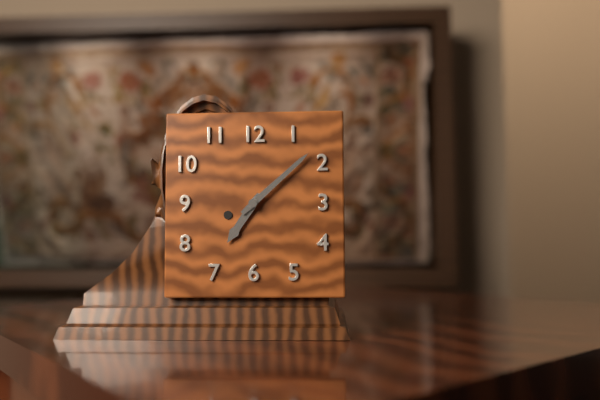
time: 7:08
